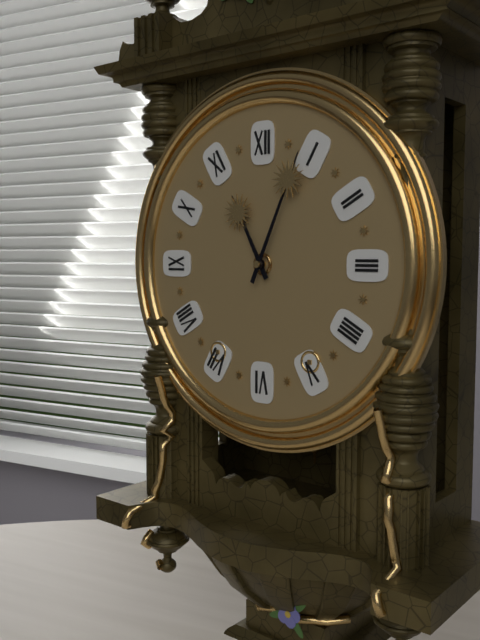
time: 11:04
